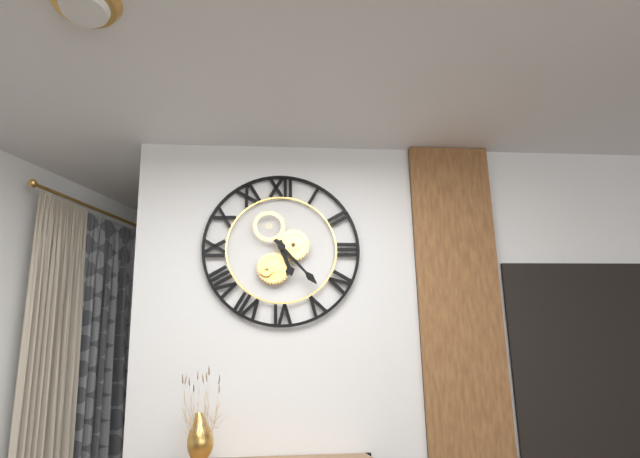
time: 5:23
